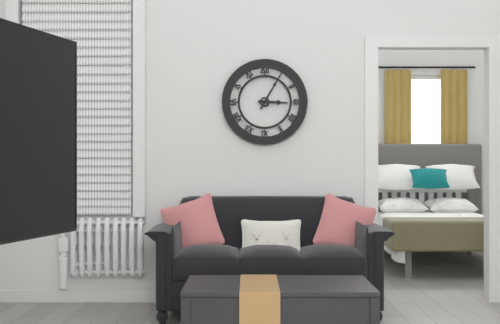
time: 3:05
